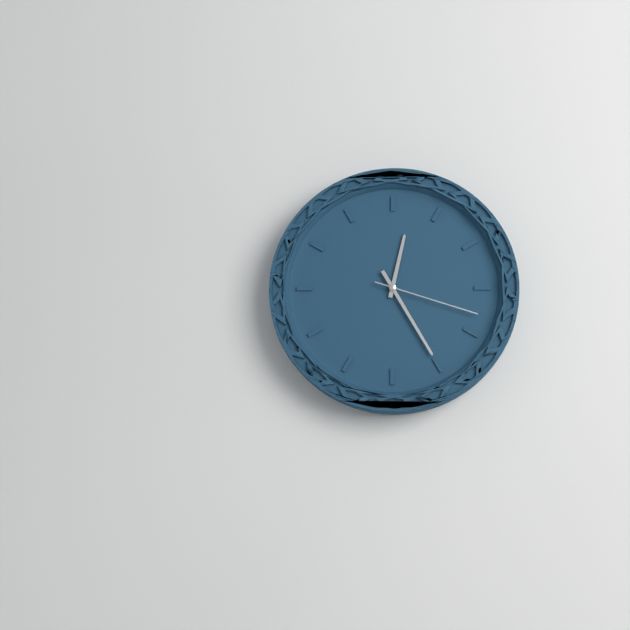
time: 12:25:18
